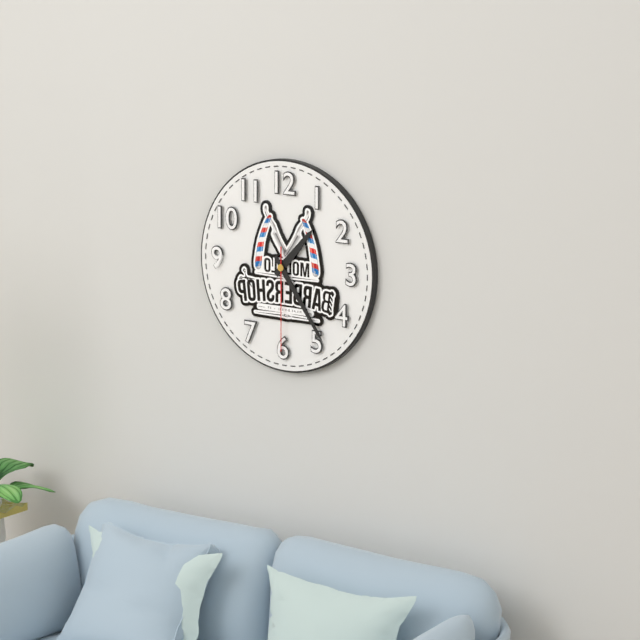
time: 1:24:30
